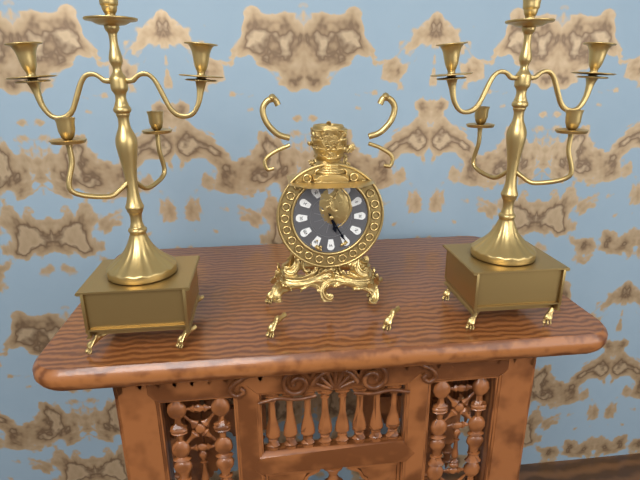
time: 5:25
